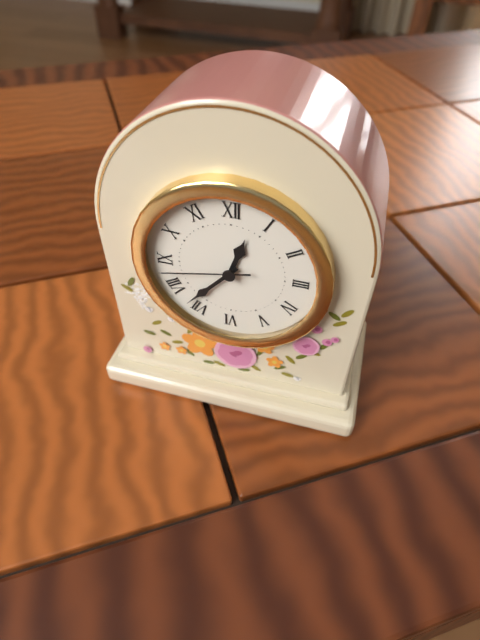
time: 12:37:43
